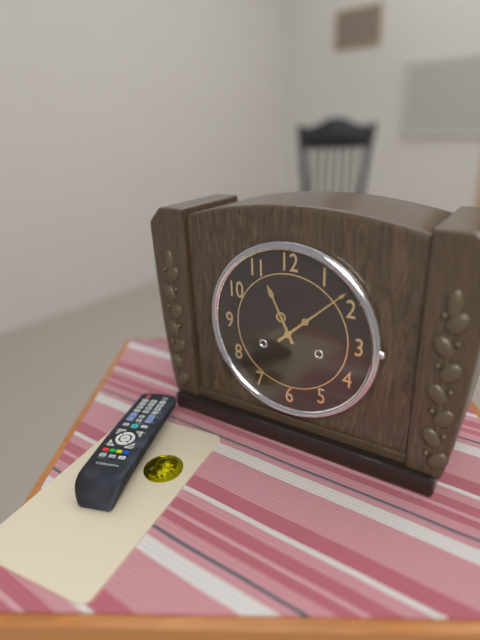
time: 11:08
